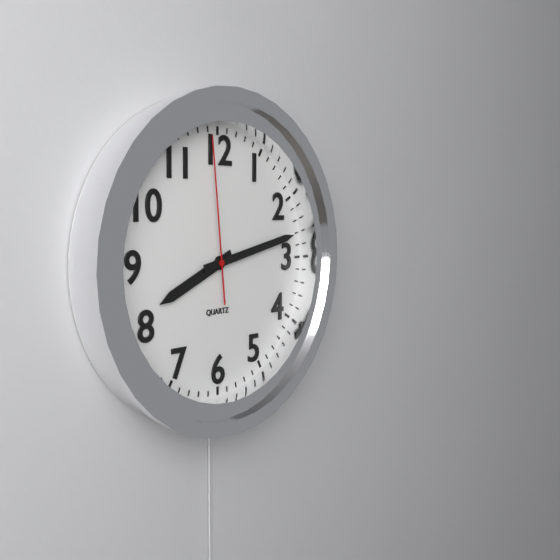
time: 8:13:59
